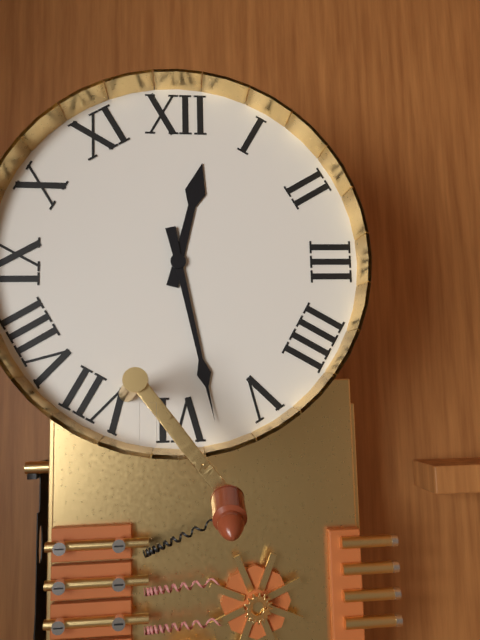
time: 12:28
